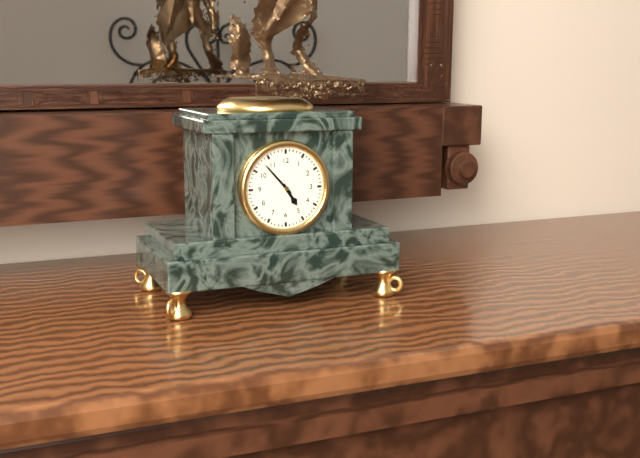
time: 4:53
